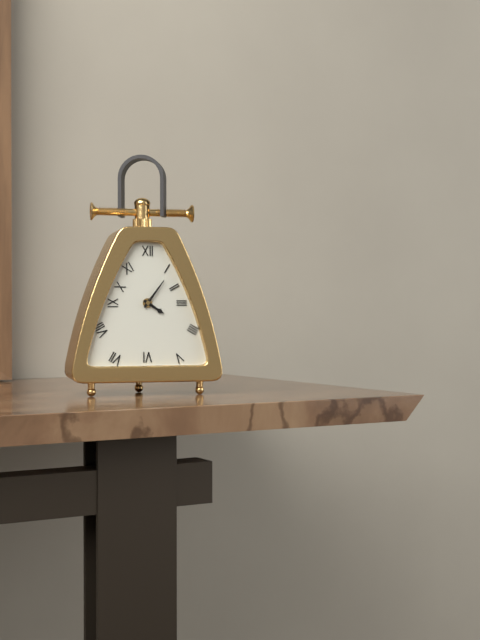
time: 4:06
